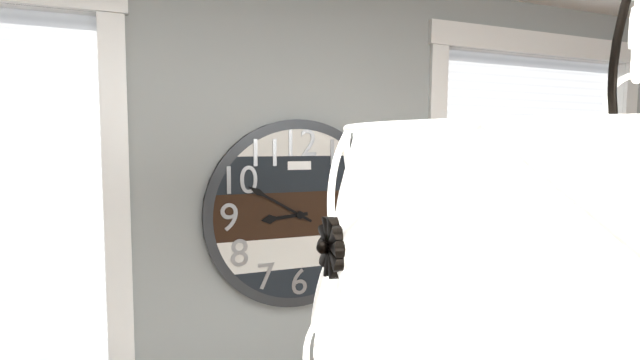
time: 8:50
